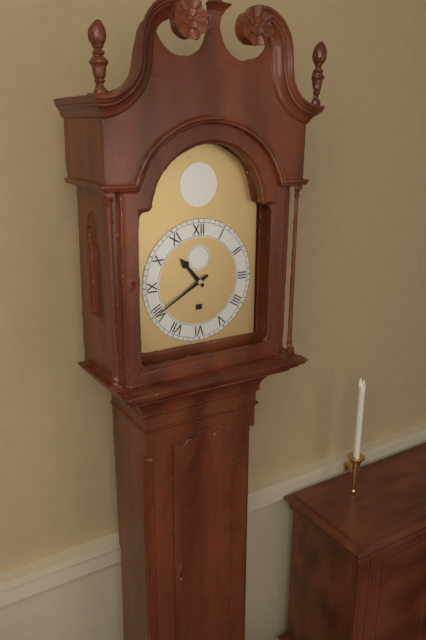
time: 10:40
